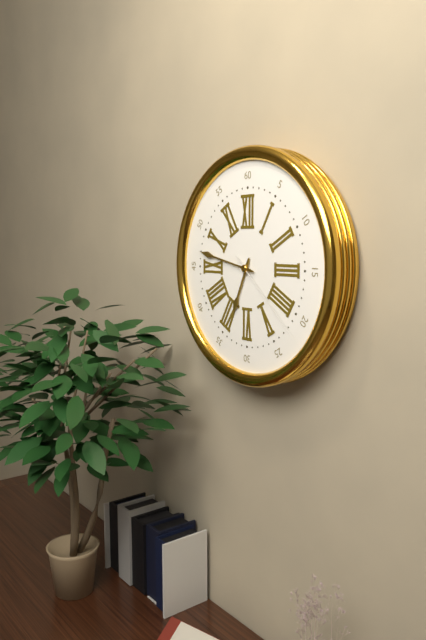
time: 6:47:22
